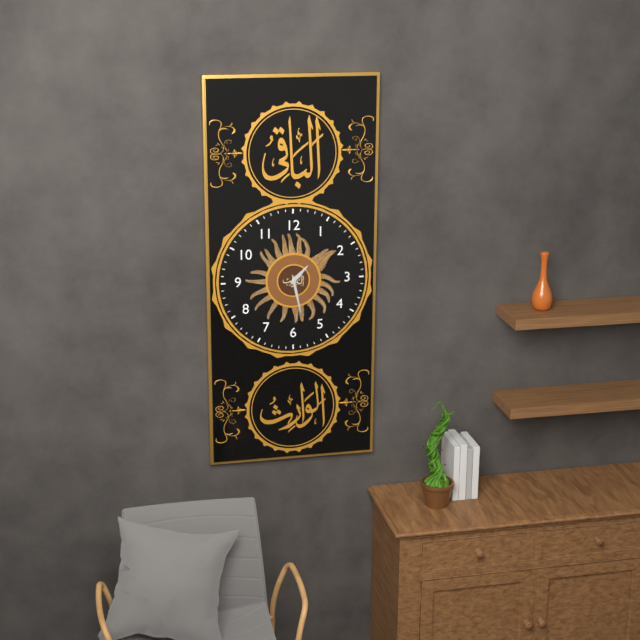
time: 1:28
